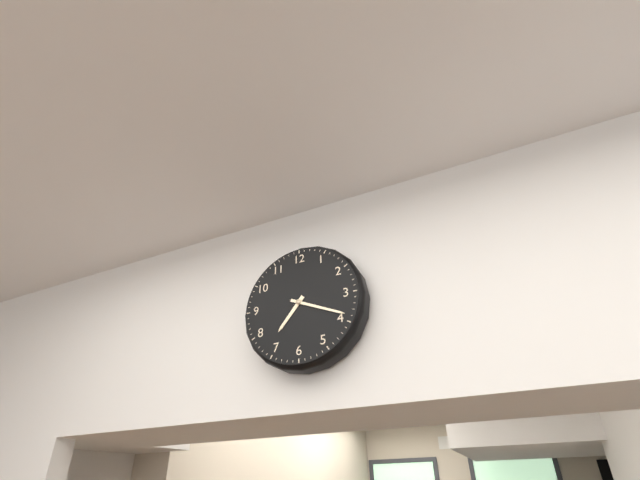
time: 7:19
